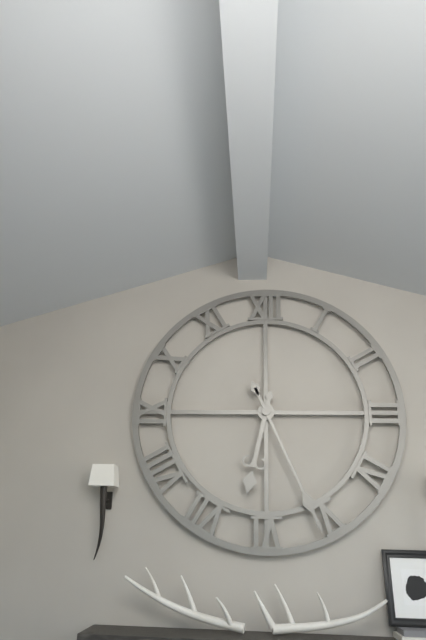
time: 6:26
